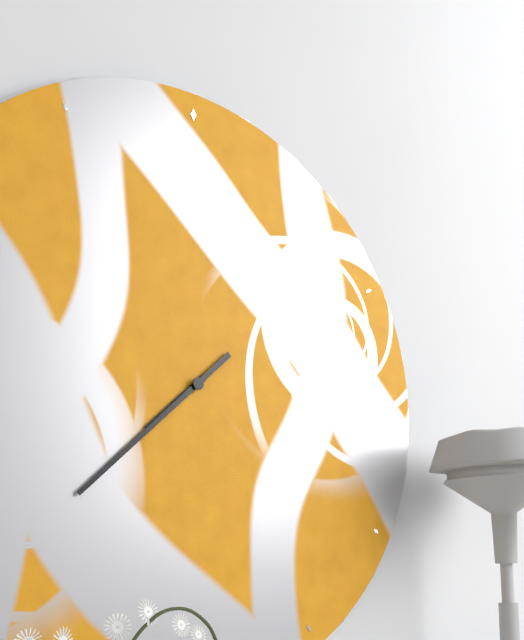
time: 7:38
